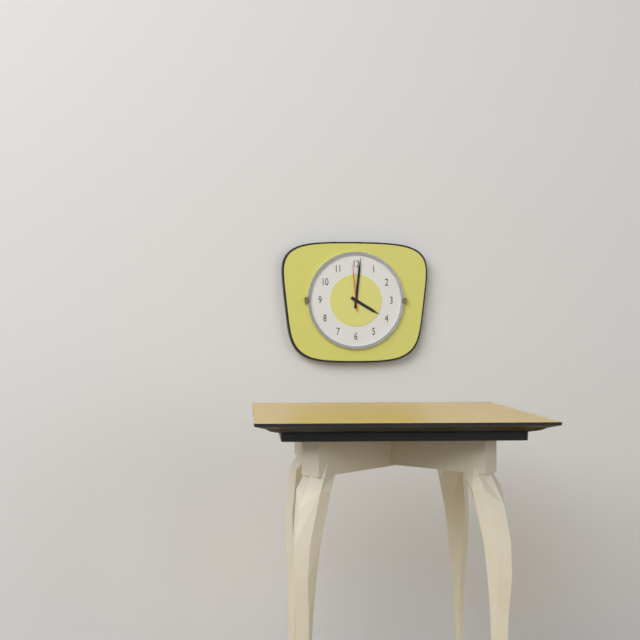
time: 4:01
